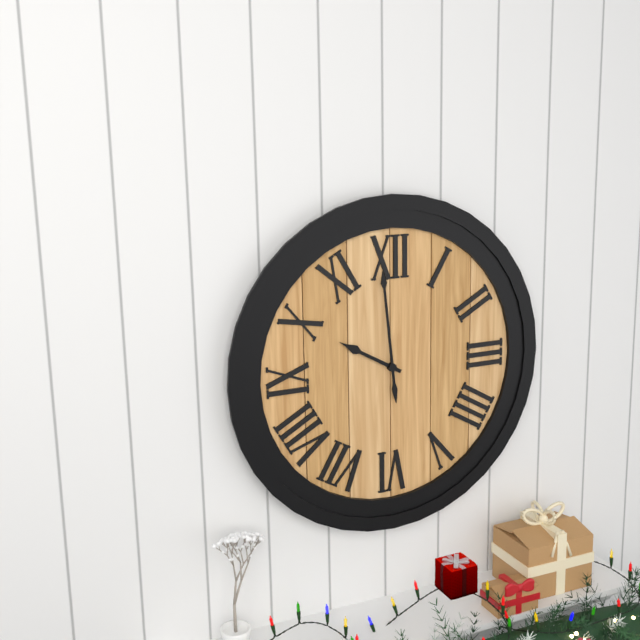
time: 9:59
